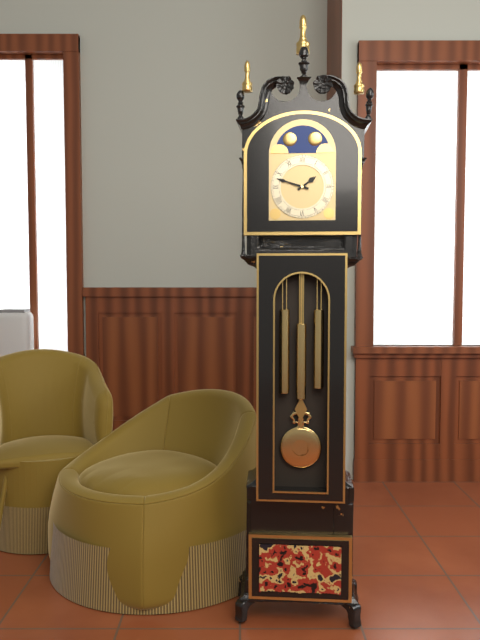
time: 1:48
